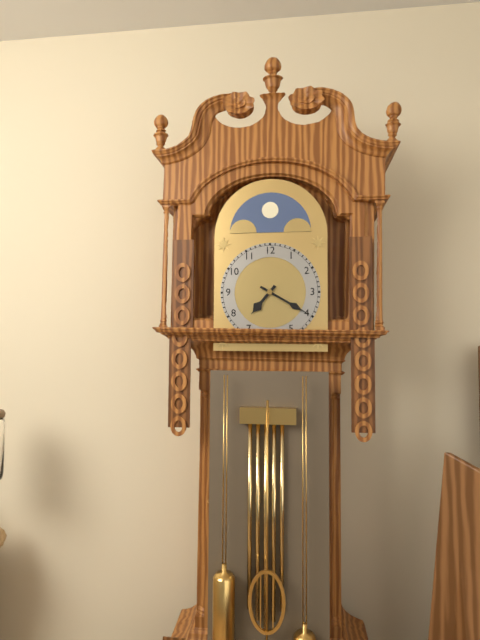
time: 7:20
